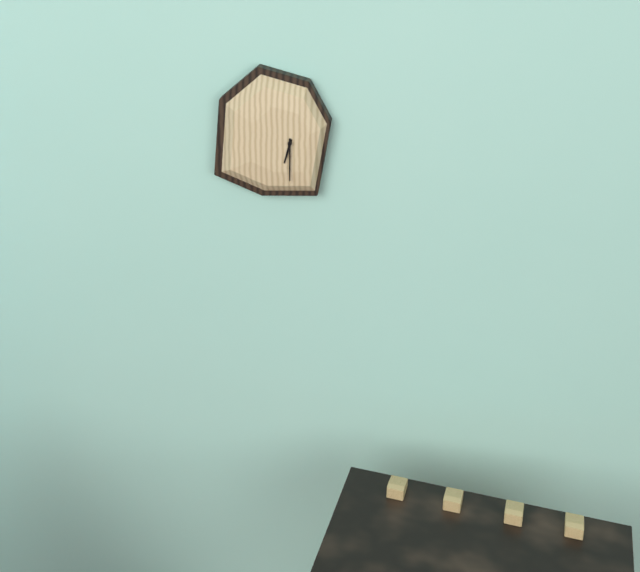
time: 6:30
